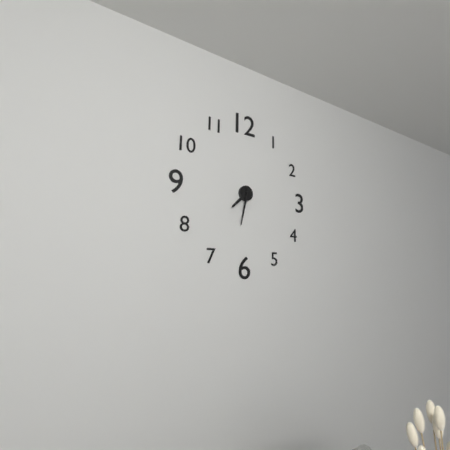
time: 7:32
